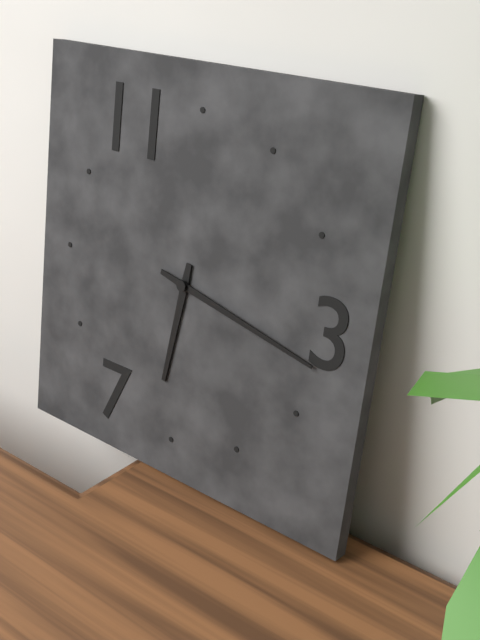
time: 6:17
